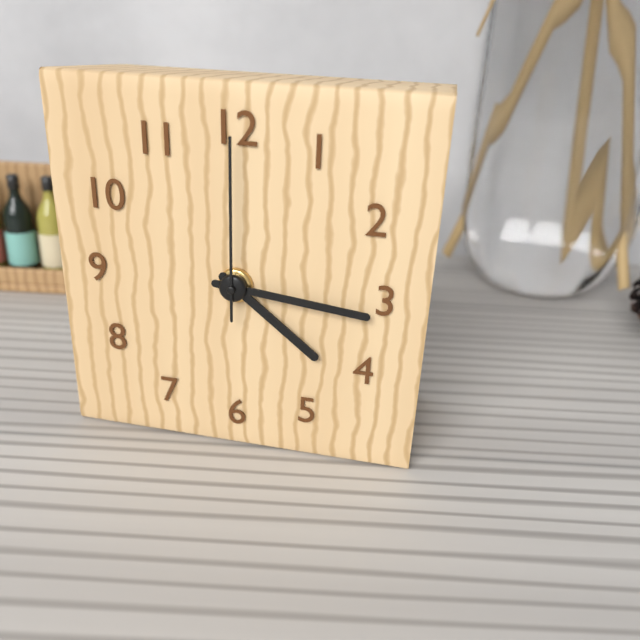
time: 4:16:00
